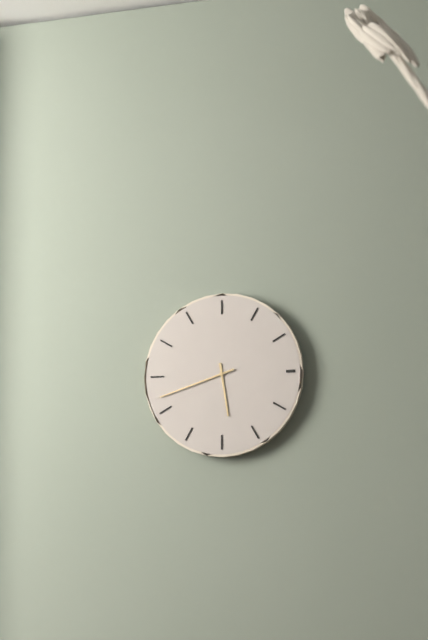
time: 5:42
